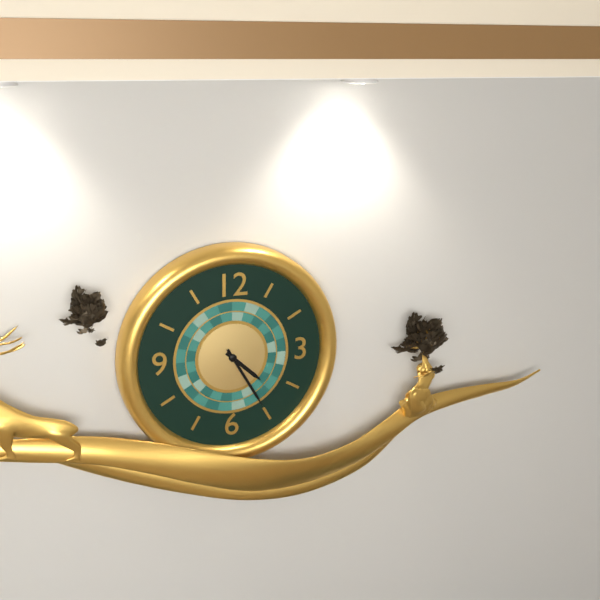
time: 4:25
